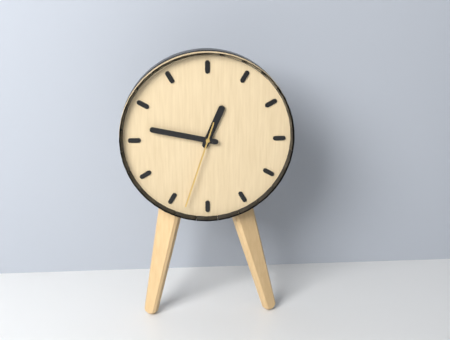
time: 12:47:33
